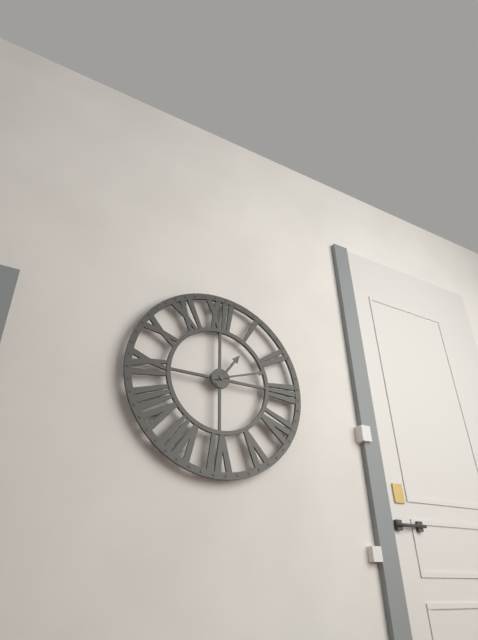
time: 1:12
